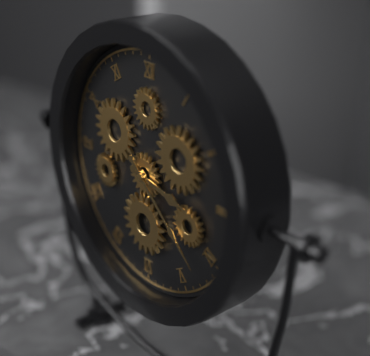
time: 3:22
